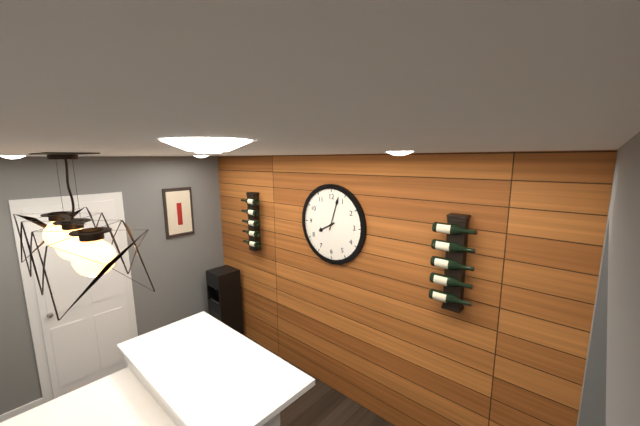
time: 8:03
